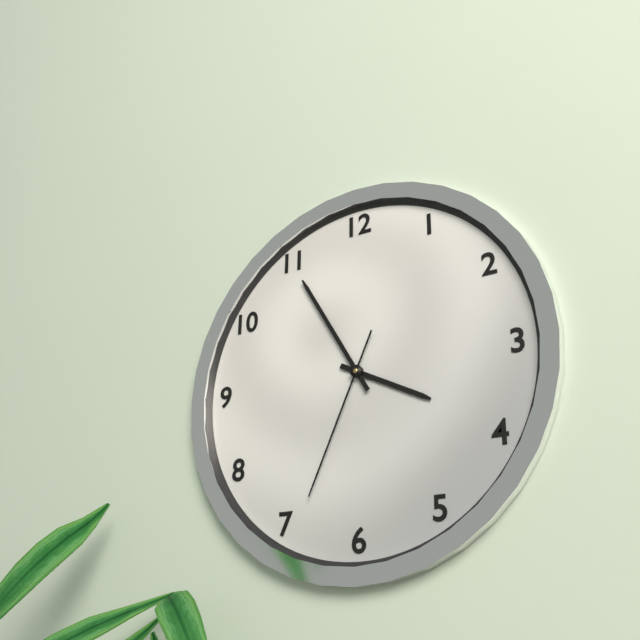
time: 3:55:34
